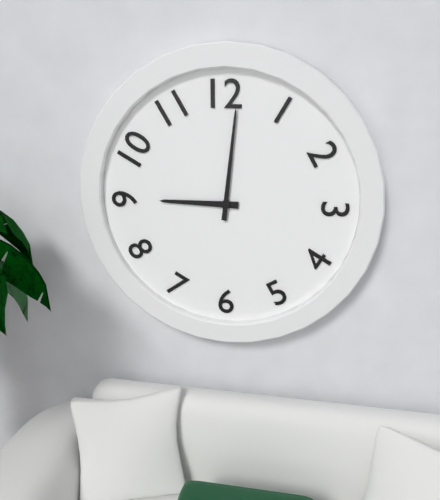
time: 9:01
